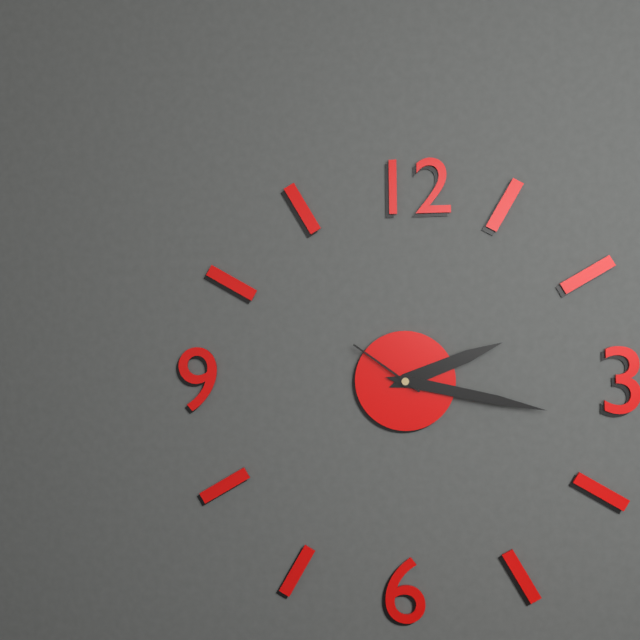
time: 2:17:51
